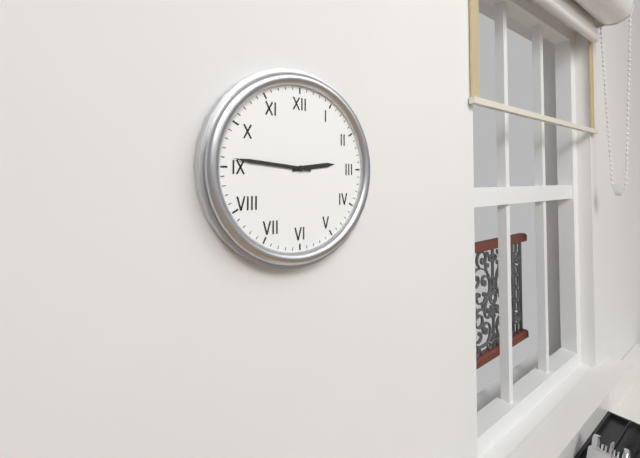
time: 2:46
